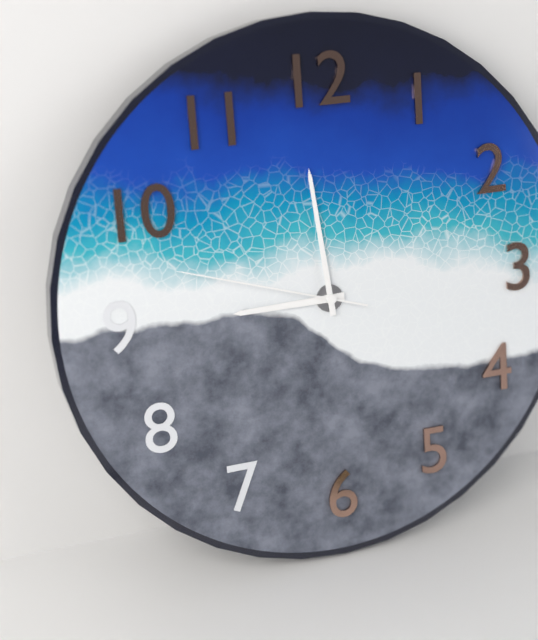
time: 8:59:48
